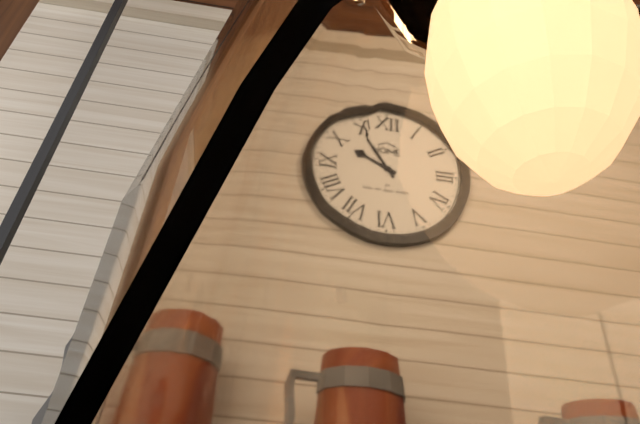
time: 9:55
